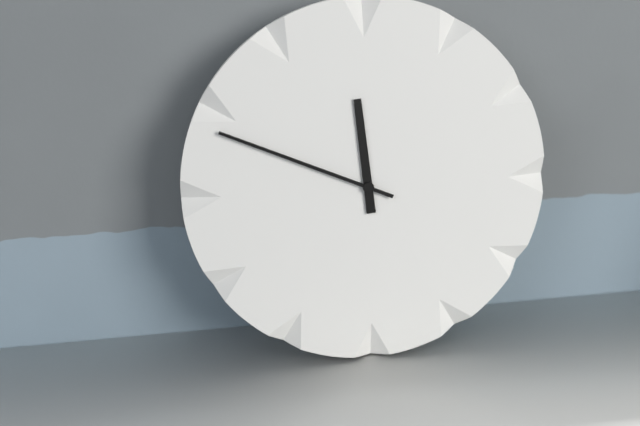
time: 11:49
